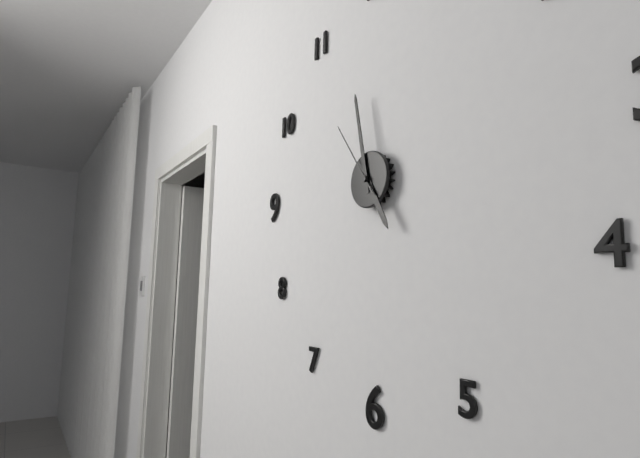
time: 4:58:54
